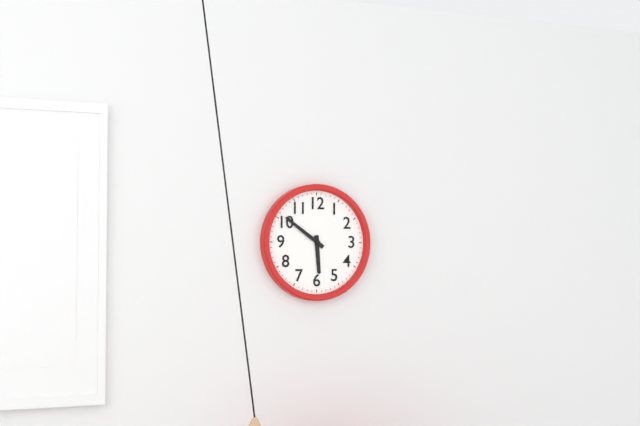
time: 5:51
